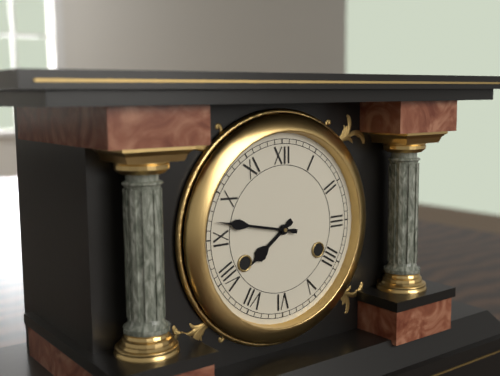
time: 7:47
